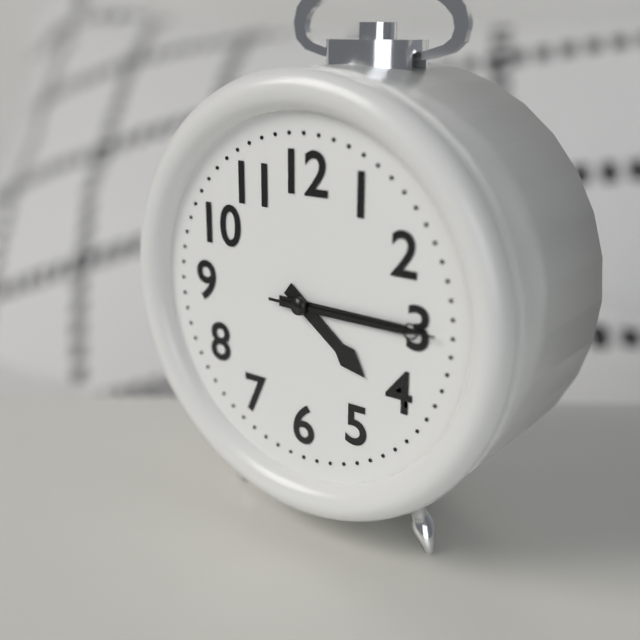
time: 4:15:15
